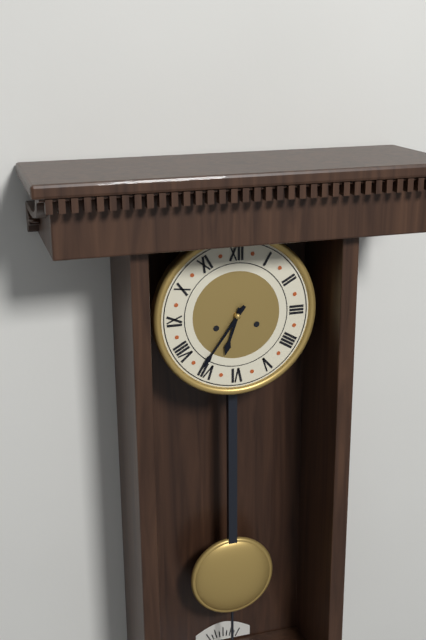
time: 6:36
